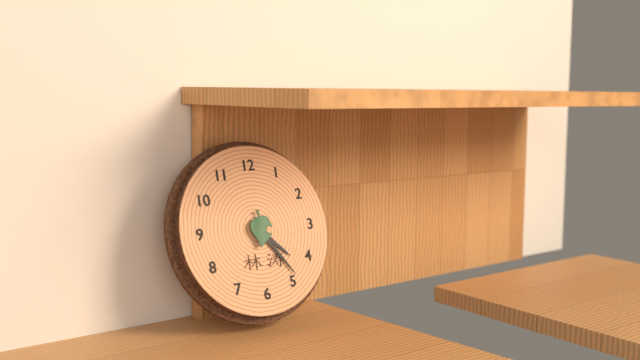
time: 4:24
